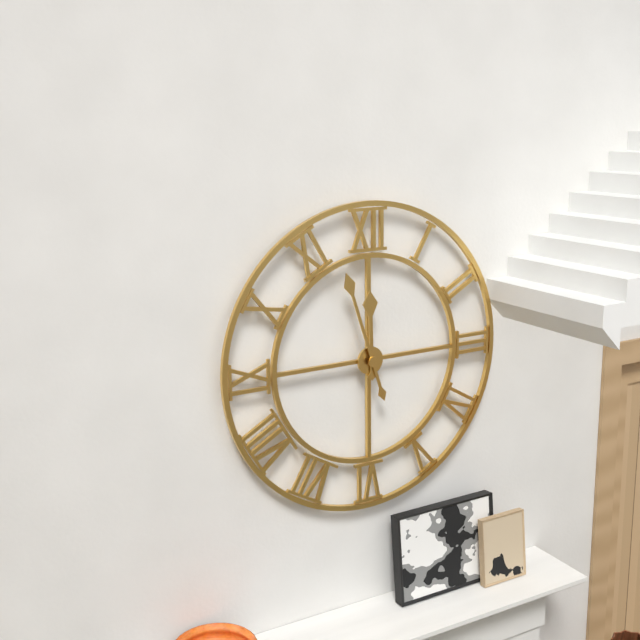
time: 11:57
